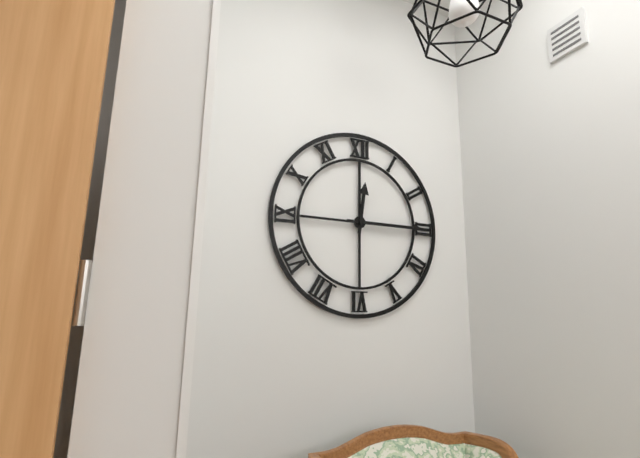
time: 12:15
